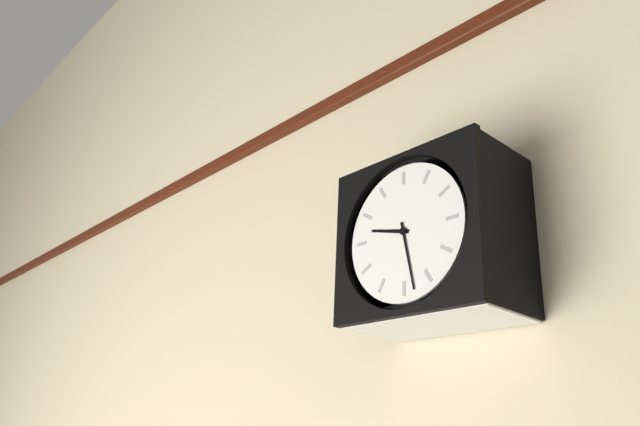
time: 9:28
